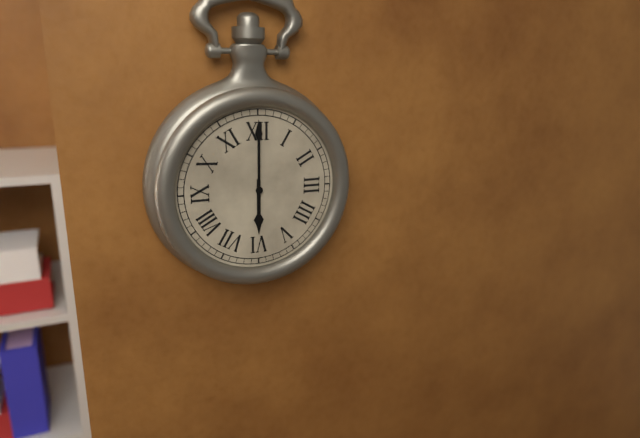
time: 6:00
